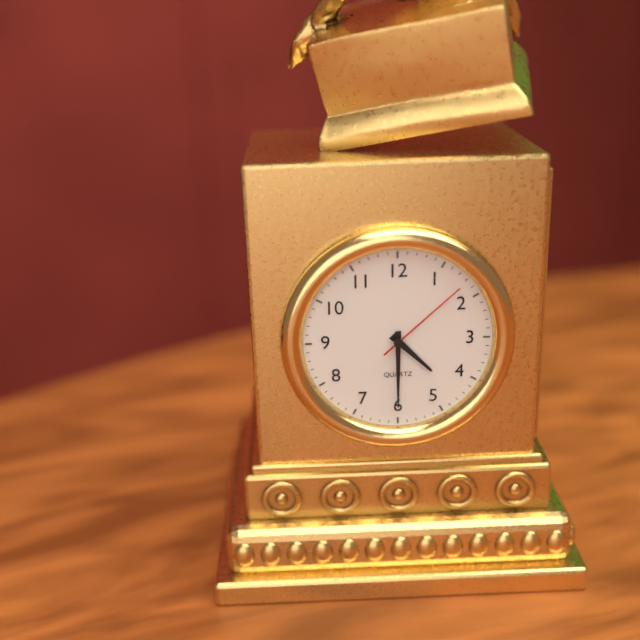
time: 4:30:08
